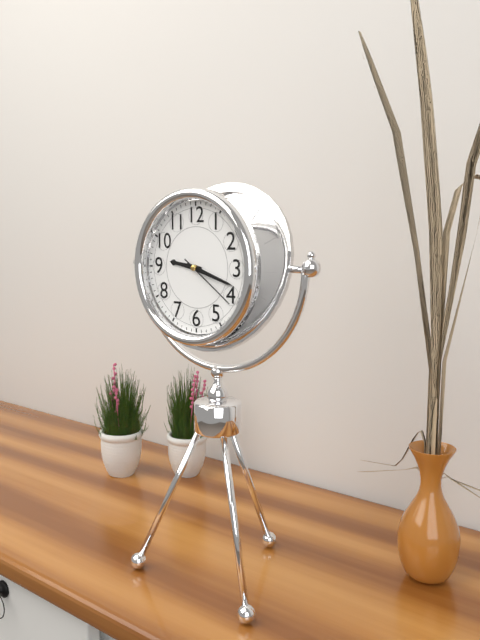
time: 9:18:21
